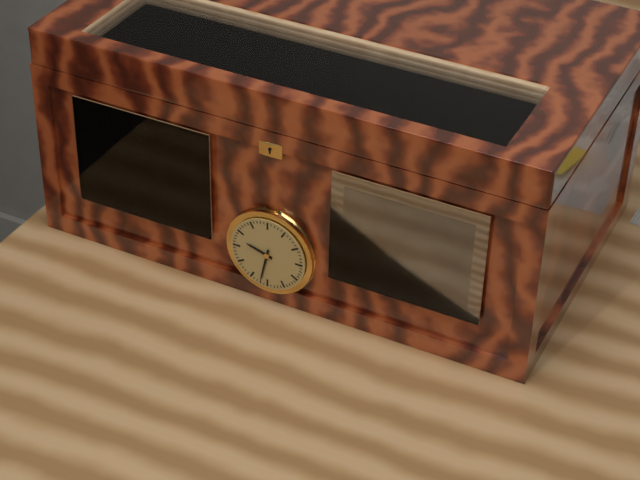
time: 9:32
